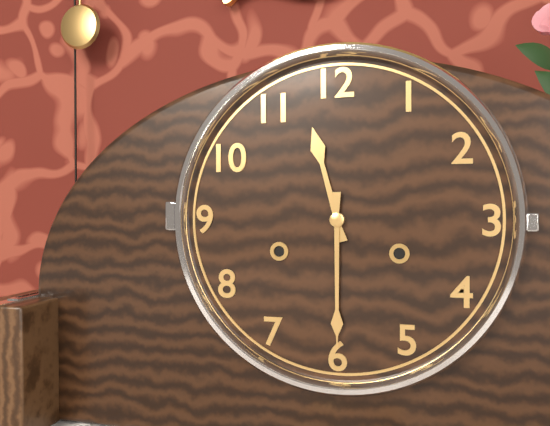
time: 11:30
